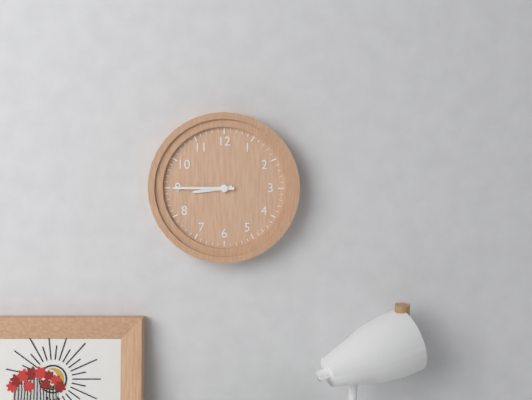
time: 8:45
